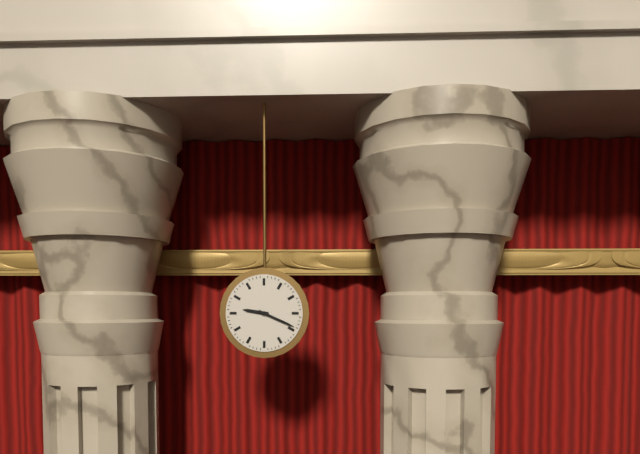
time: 9:19
